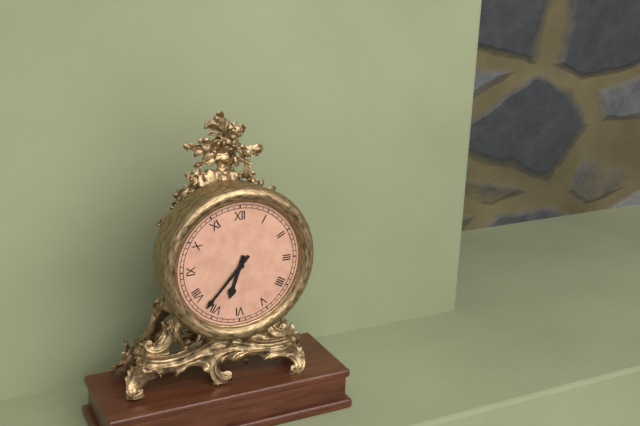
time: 6:37
